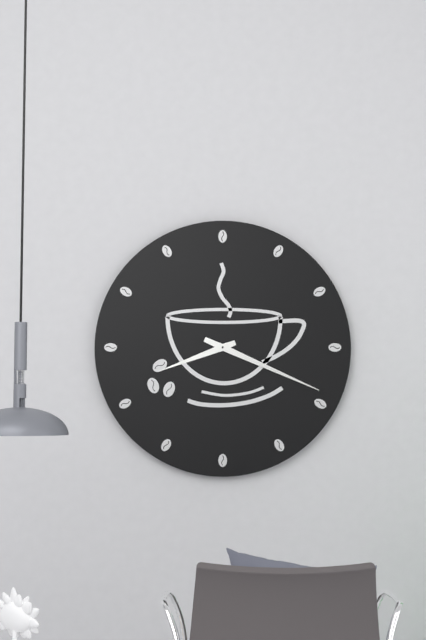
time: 8:19
